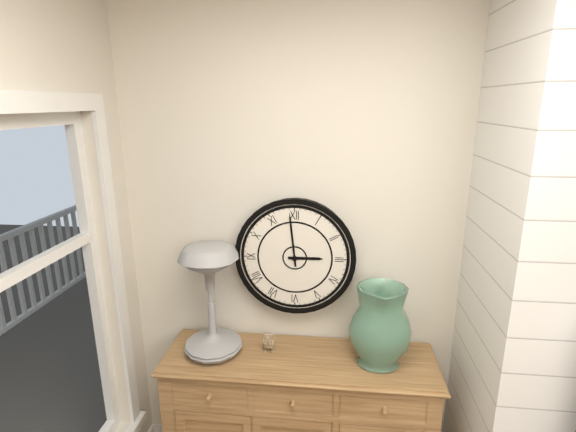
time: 2:59
